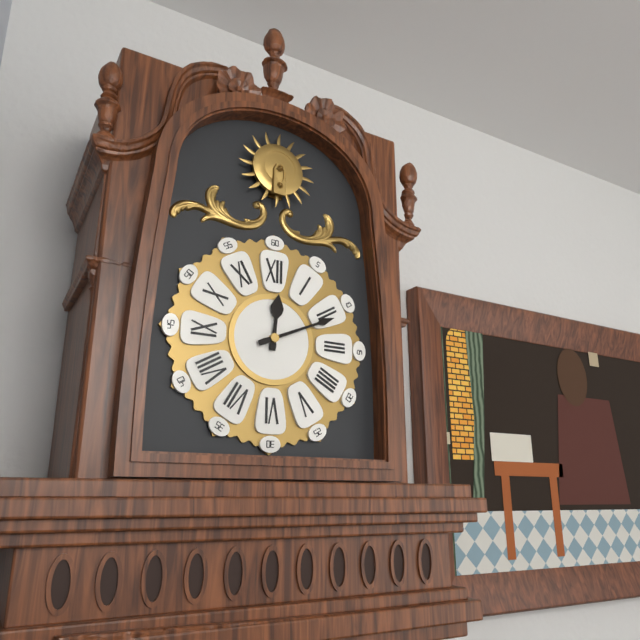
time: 12:11
